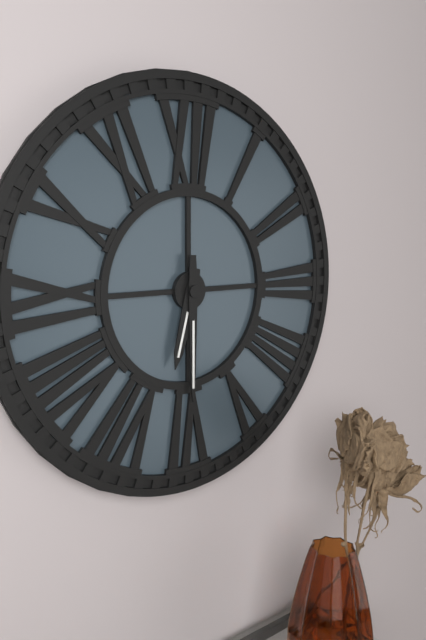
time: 6:30
